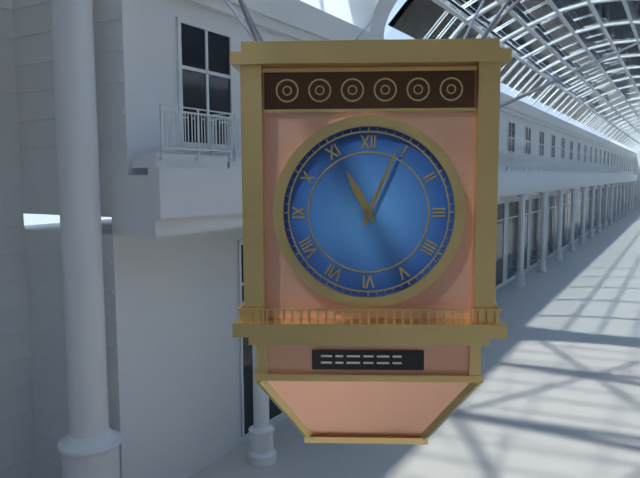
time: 11:04
